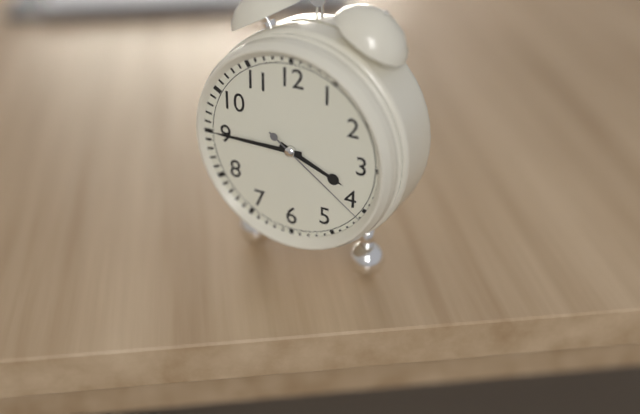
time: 3:45:21
